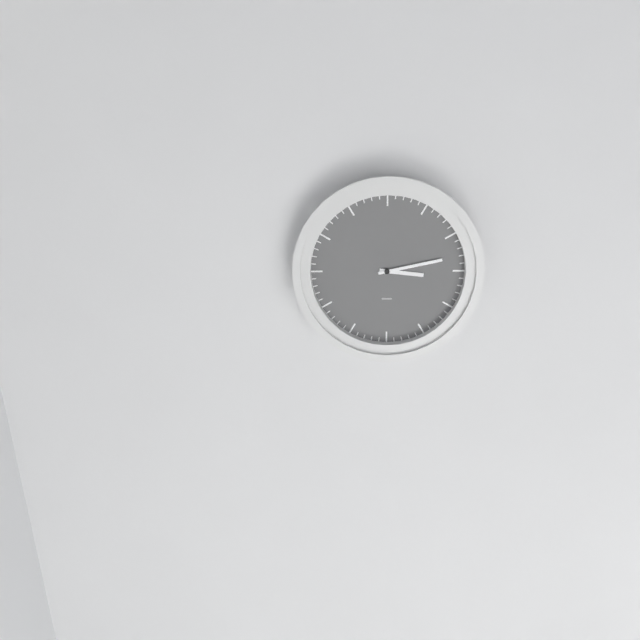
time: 3:13
